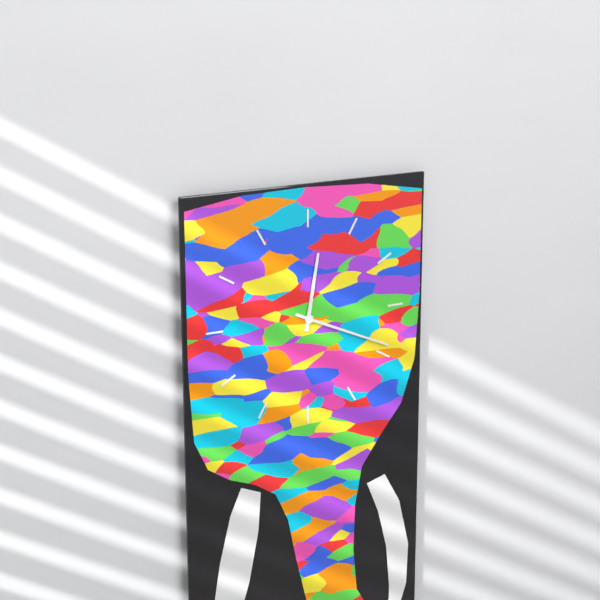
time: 12:19
